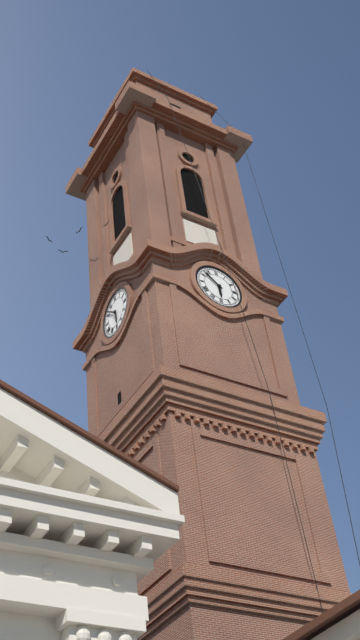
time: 5:52
